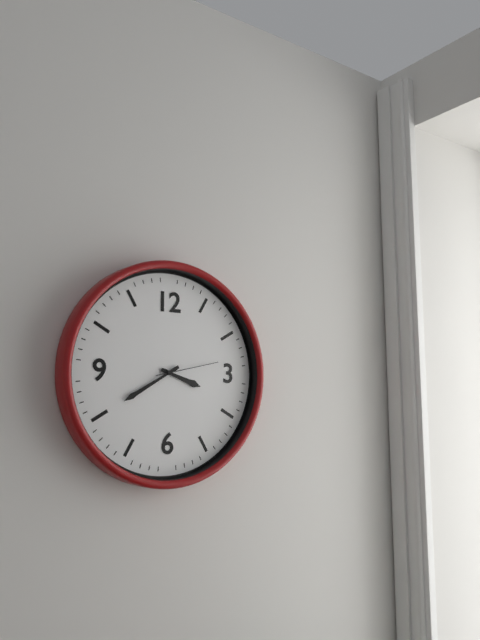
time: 3:40:13
